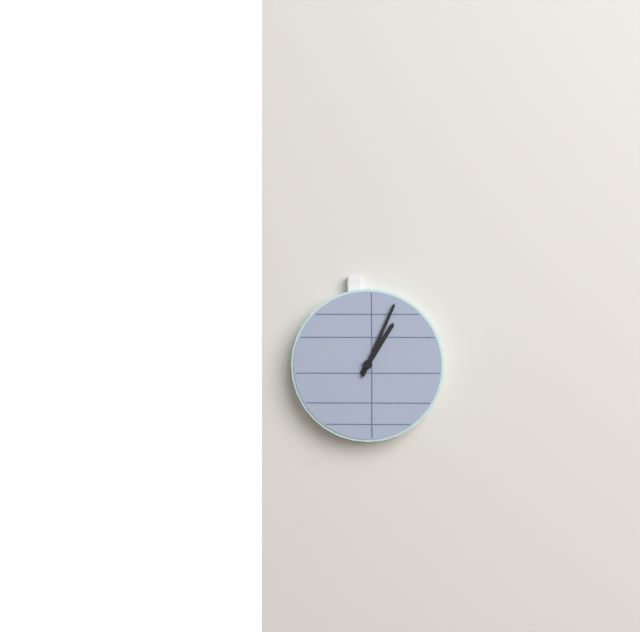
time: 1:04
